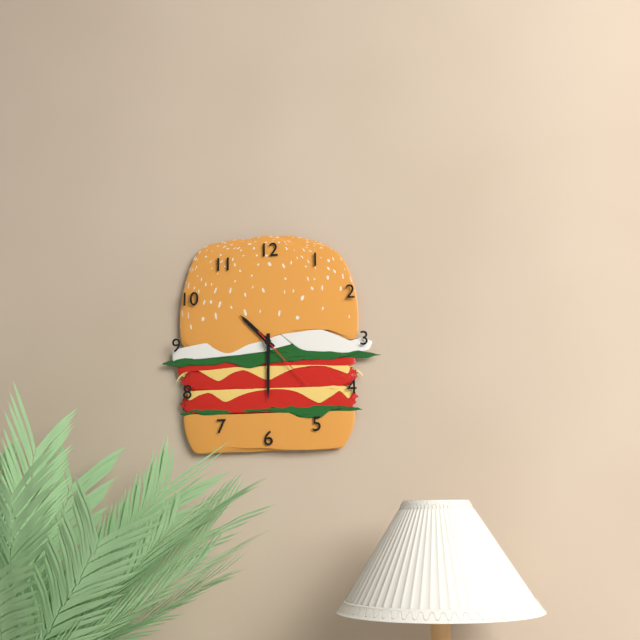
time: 10:30:23
